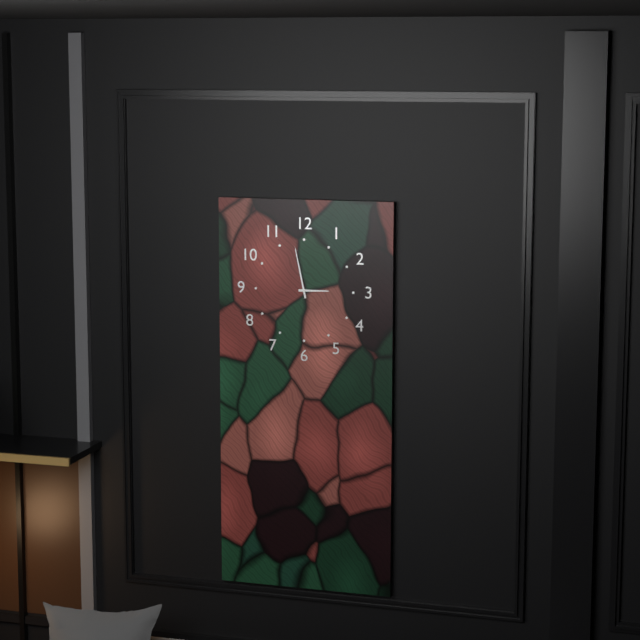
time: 2:58
